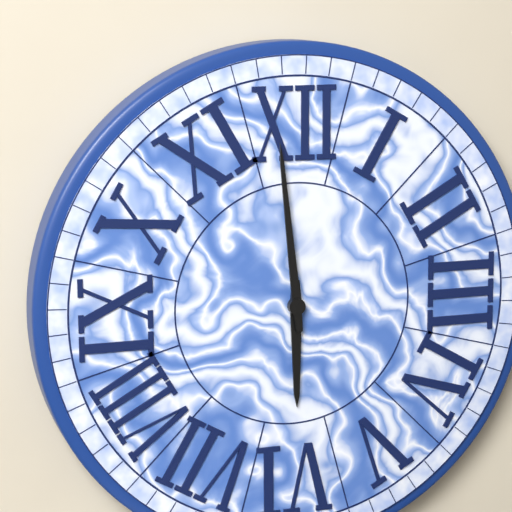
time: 5:59
